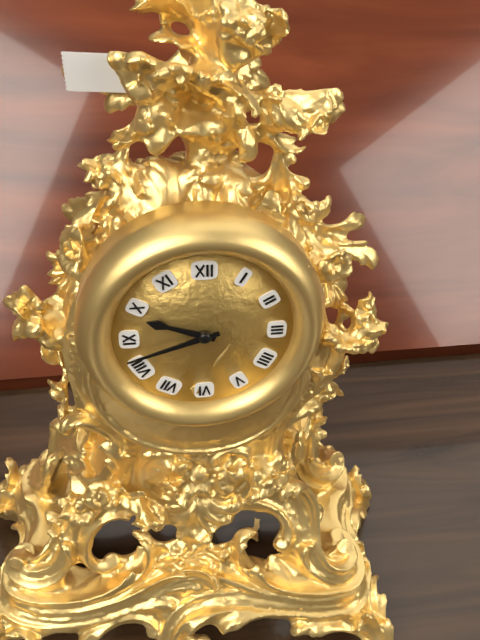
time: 9:42
